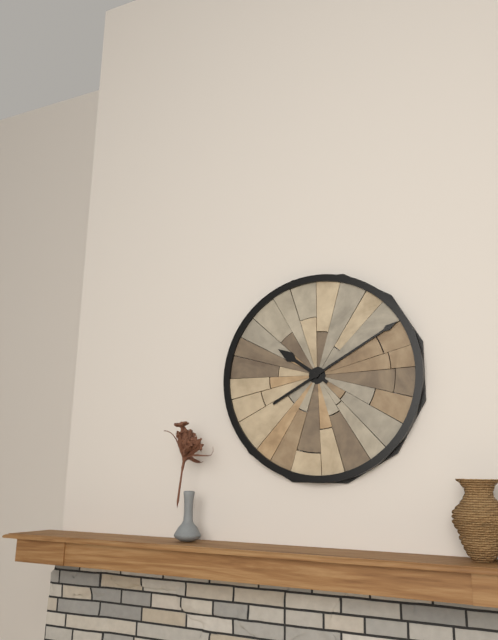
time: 10:10
